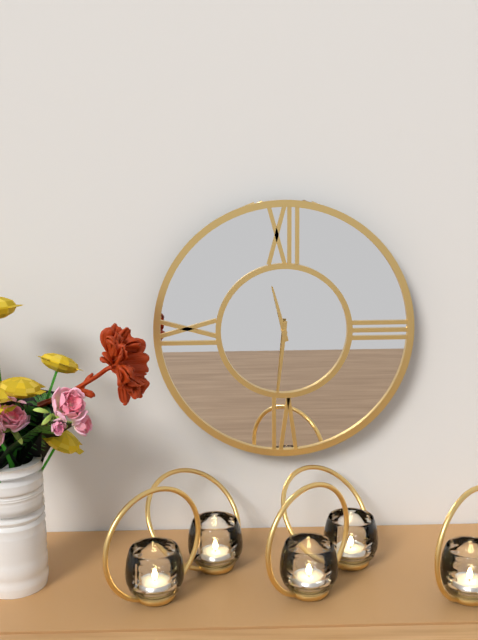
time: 11:31
